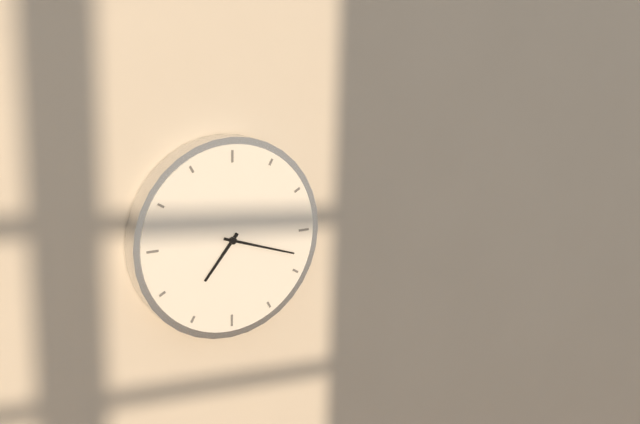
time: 7:18
